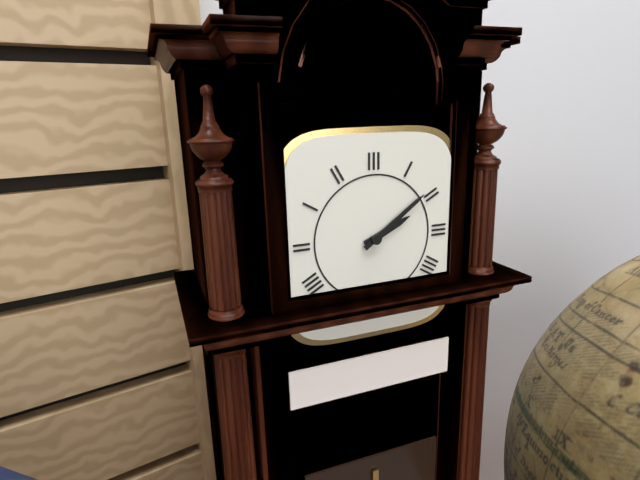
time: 2:09
